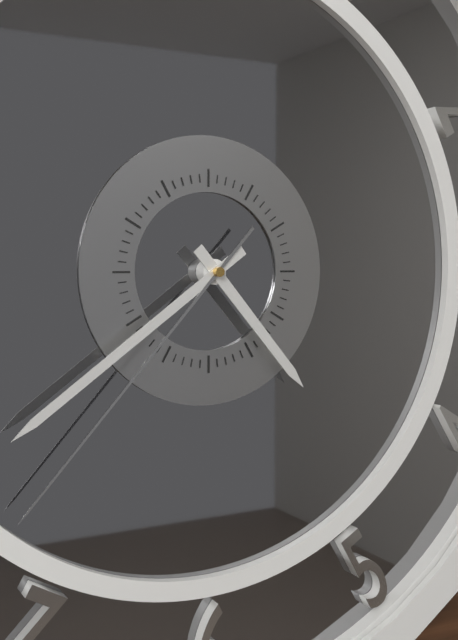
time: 4:39:37
